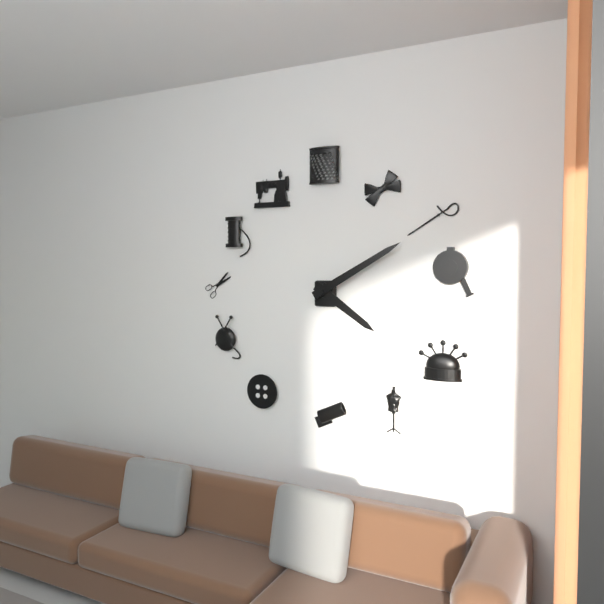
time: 4:10
